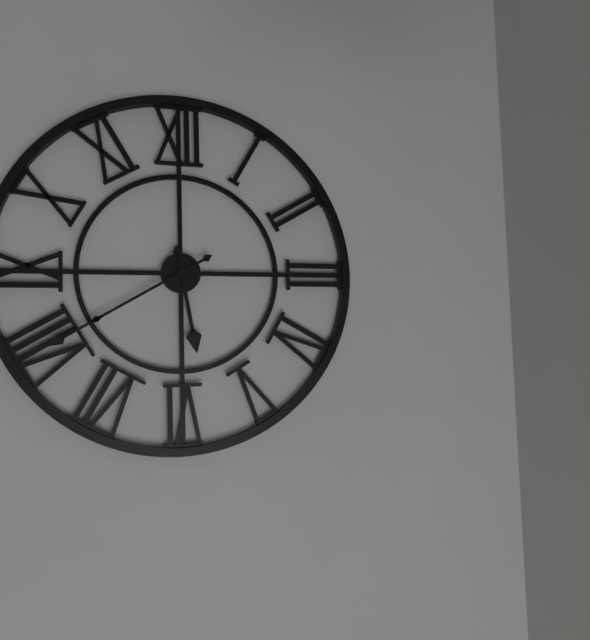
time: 5:40
